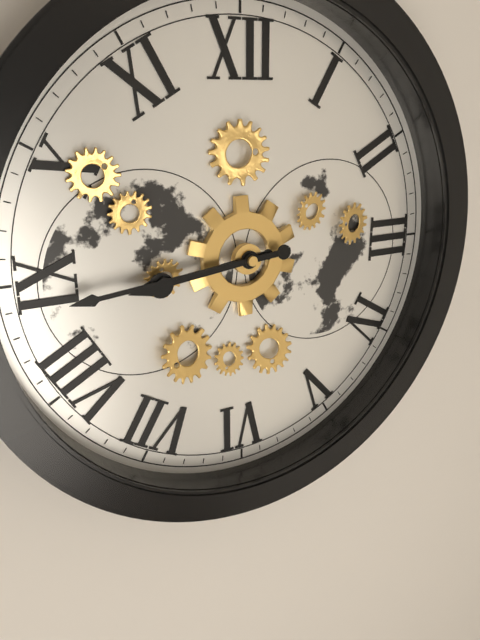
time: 8:44
